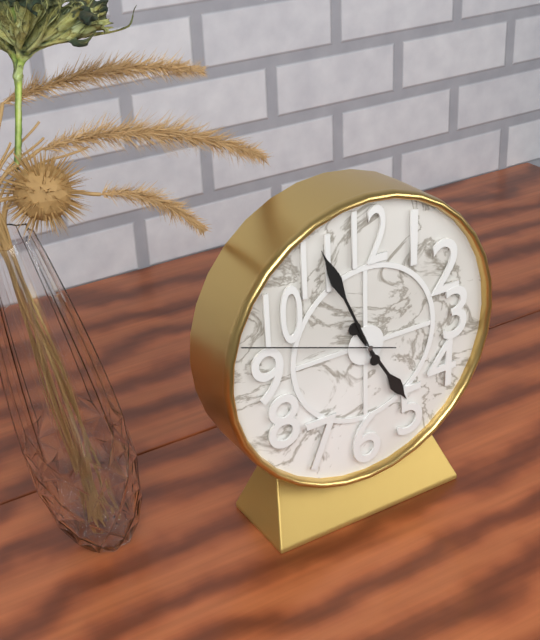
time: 4:56:48
